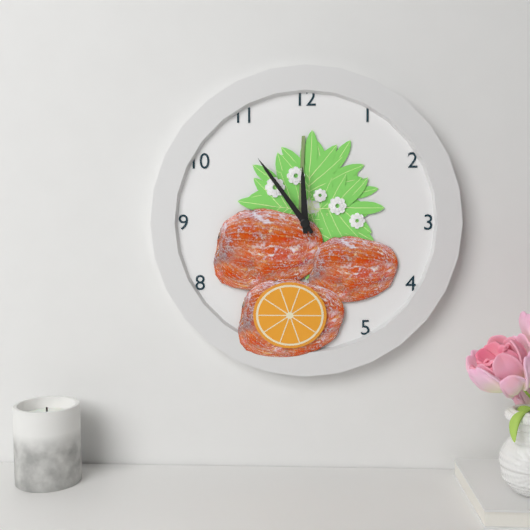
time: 11:54
